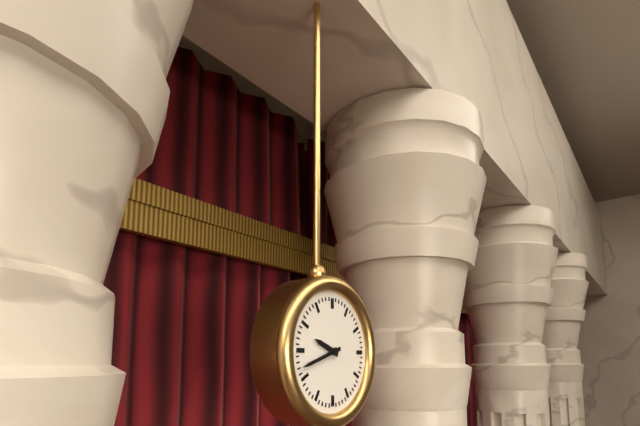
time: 9:42
